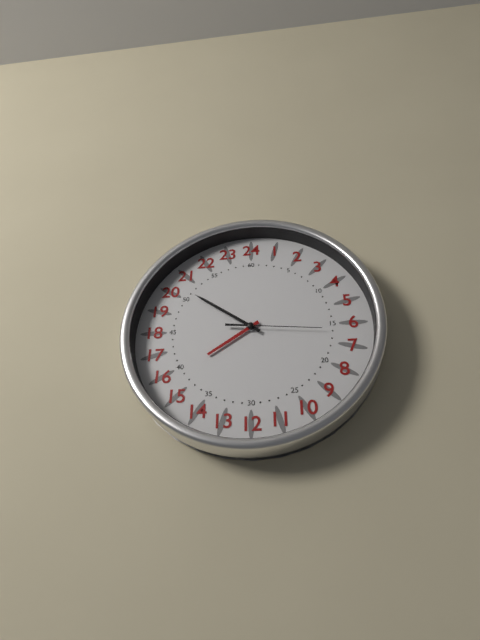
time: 7:51:16
